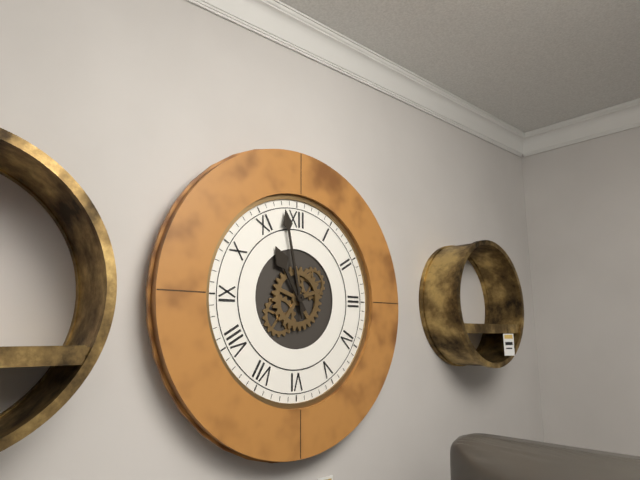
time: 10:58
